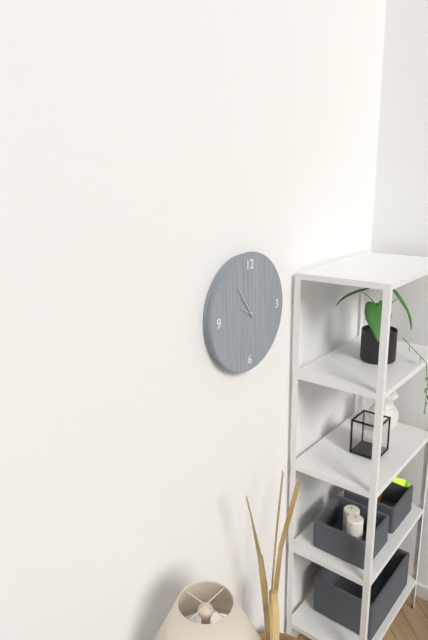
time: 9:54
